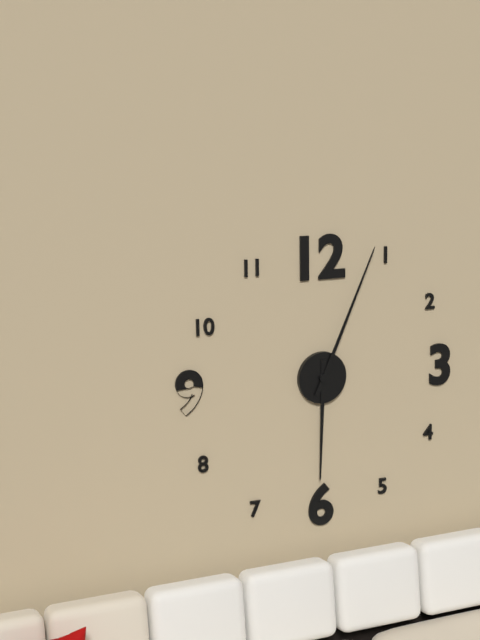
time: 6:04
